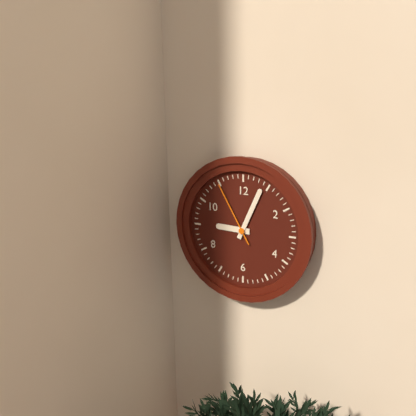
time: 9:04:55
